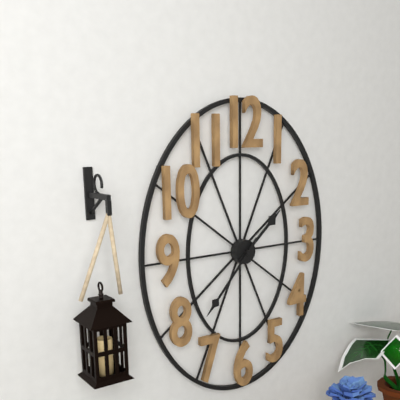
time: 1:37
